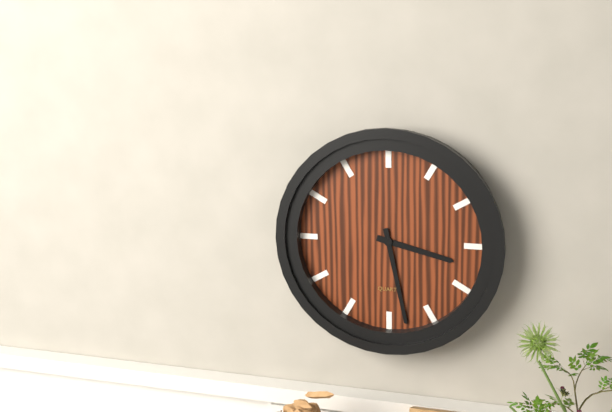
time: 3:28
